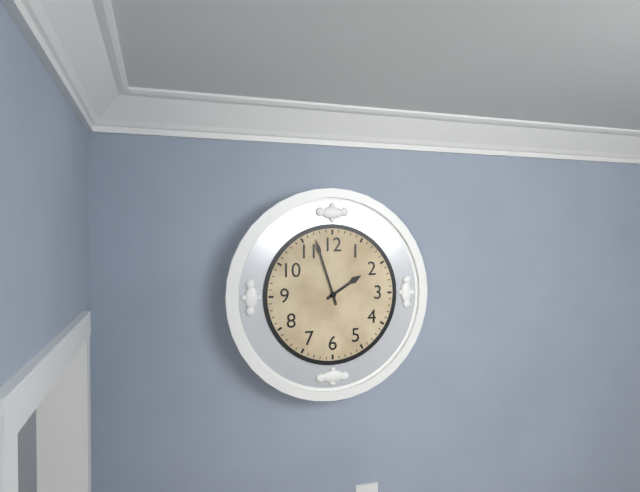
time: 1:57
